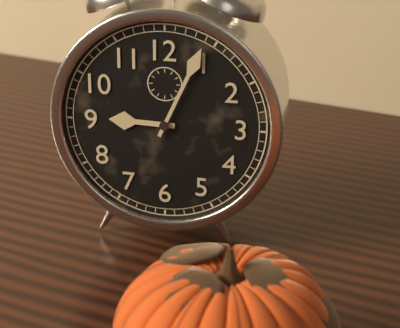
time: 9:04
